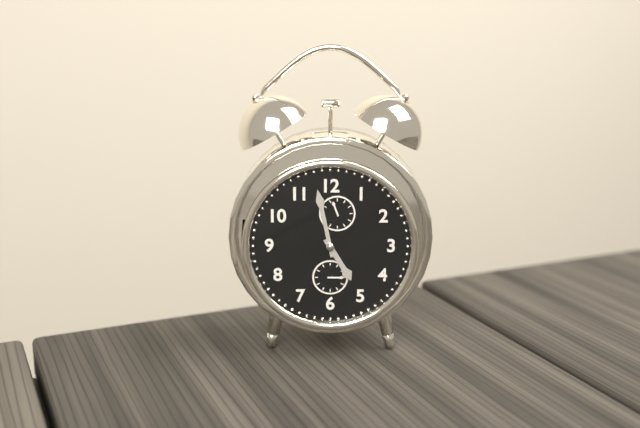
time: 4:58
